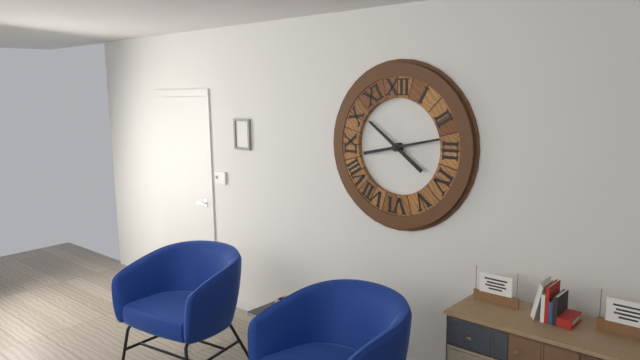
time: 10:13
